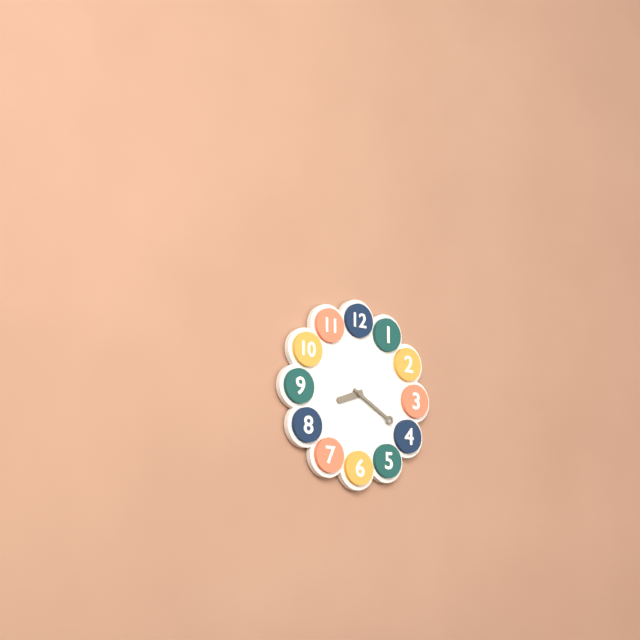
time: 8:20
